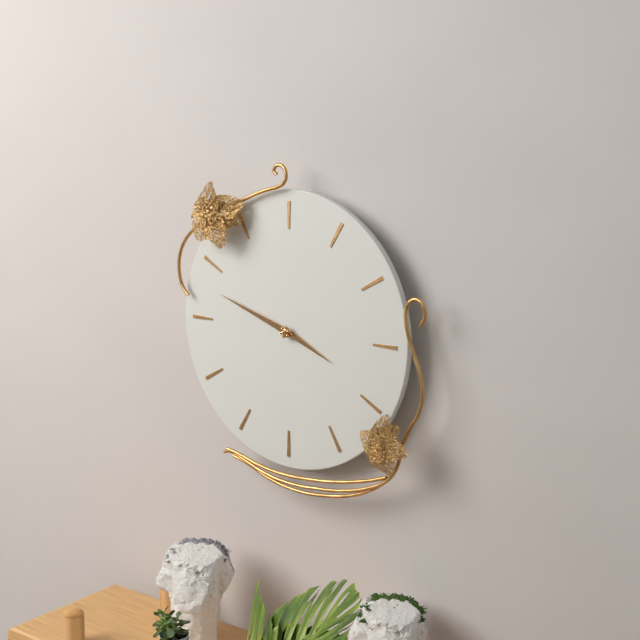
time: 3:48
